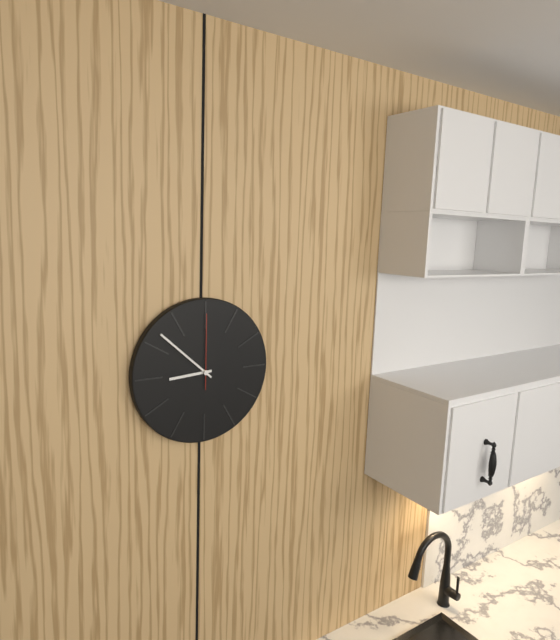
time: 8:52:00
